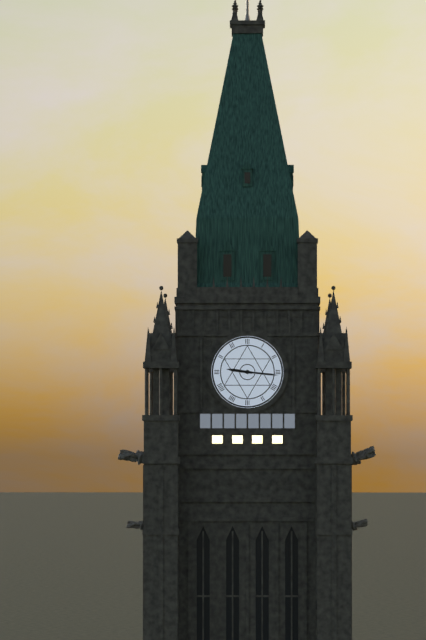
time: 9:16
